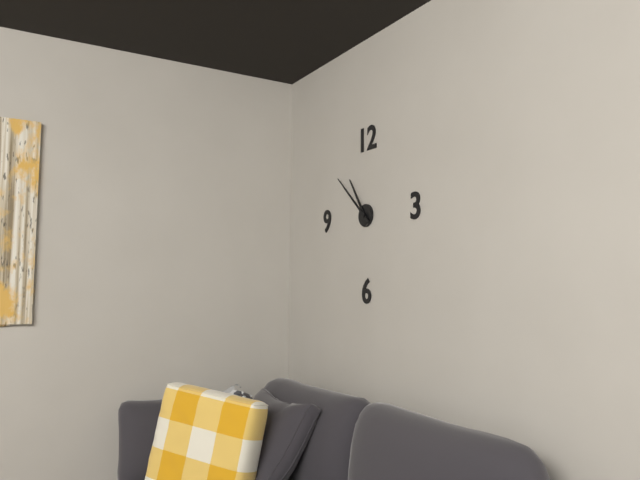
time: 10:52
